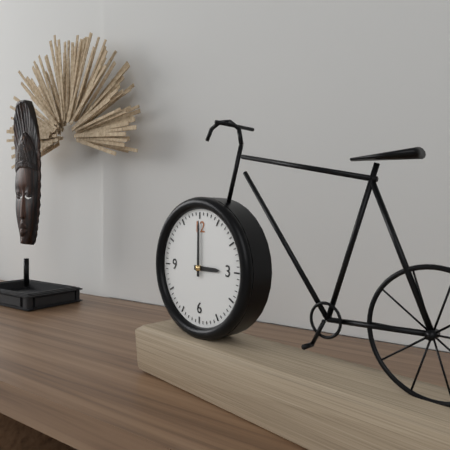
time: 3:00
